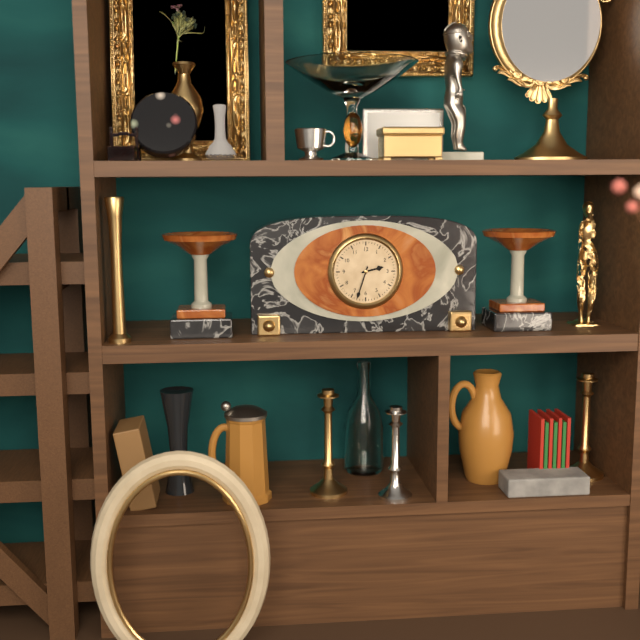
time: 2:33
